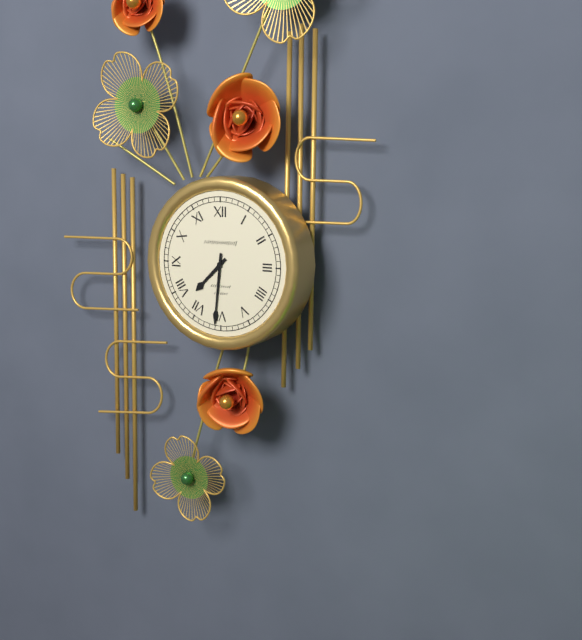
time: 7:31
